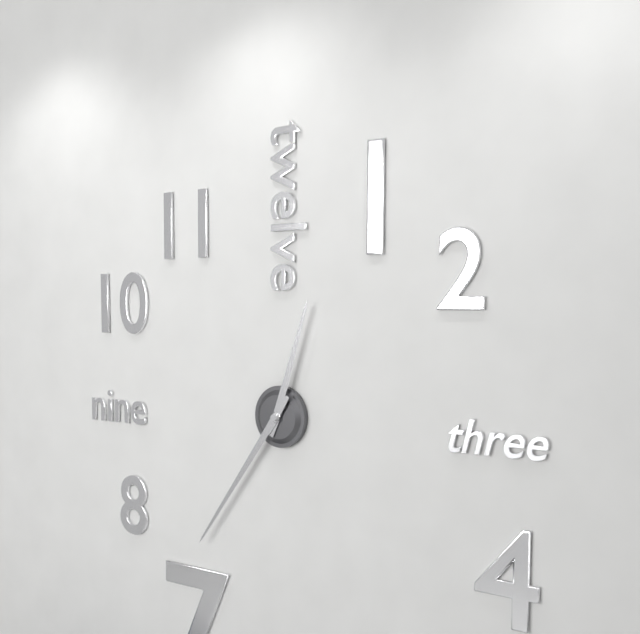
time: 12:36
